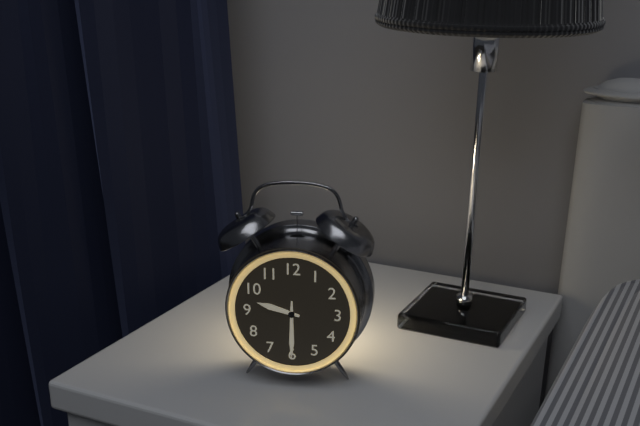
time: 9:30
